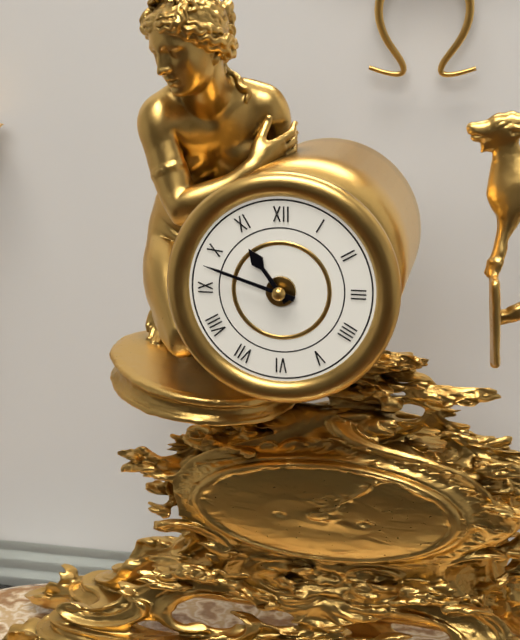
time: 10:48
